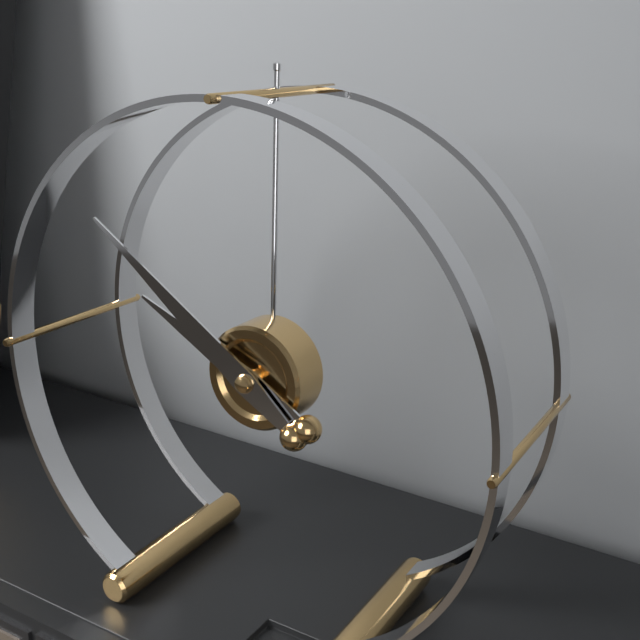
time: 9:51
